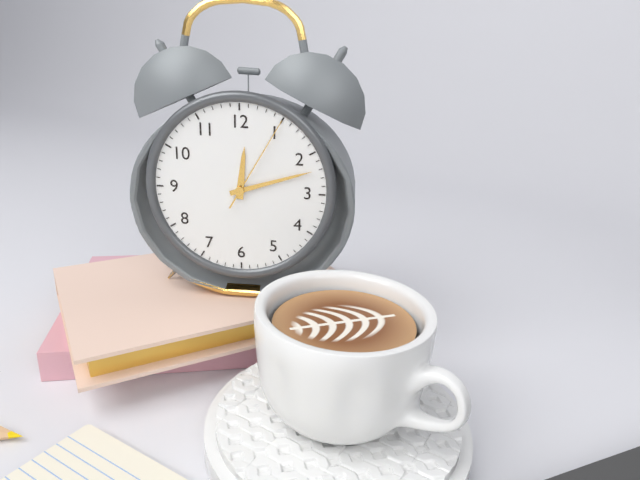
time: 12:12:05
